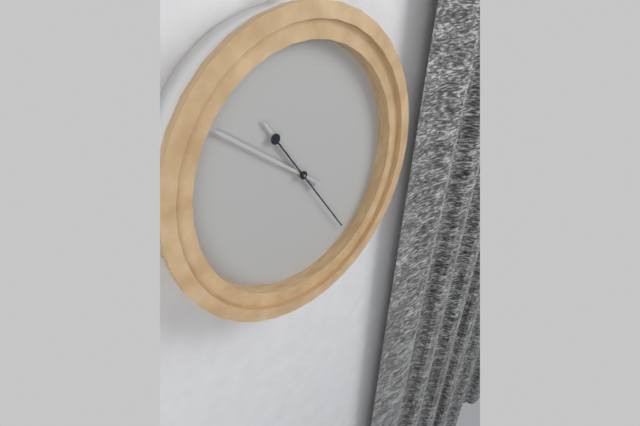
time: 10:51:24
